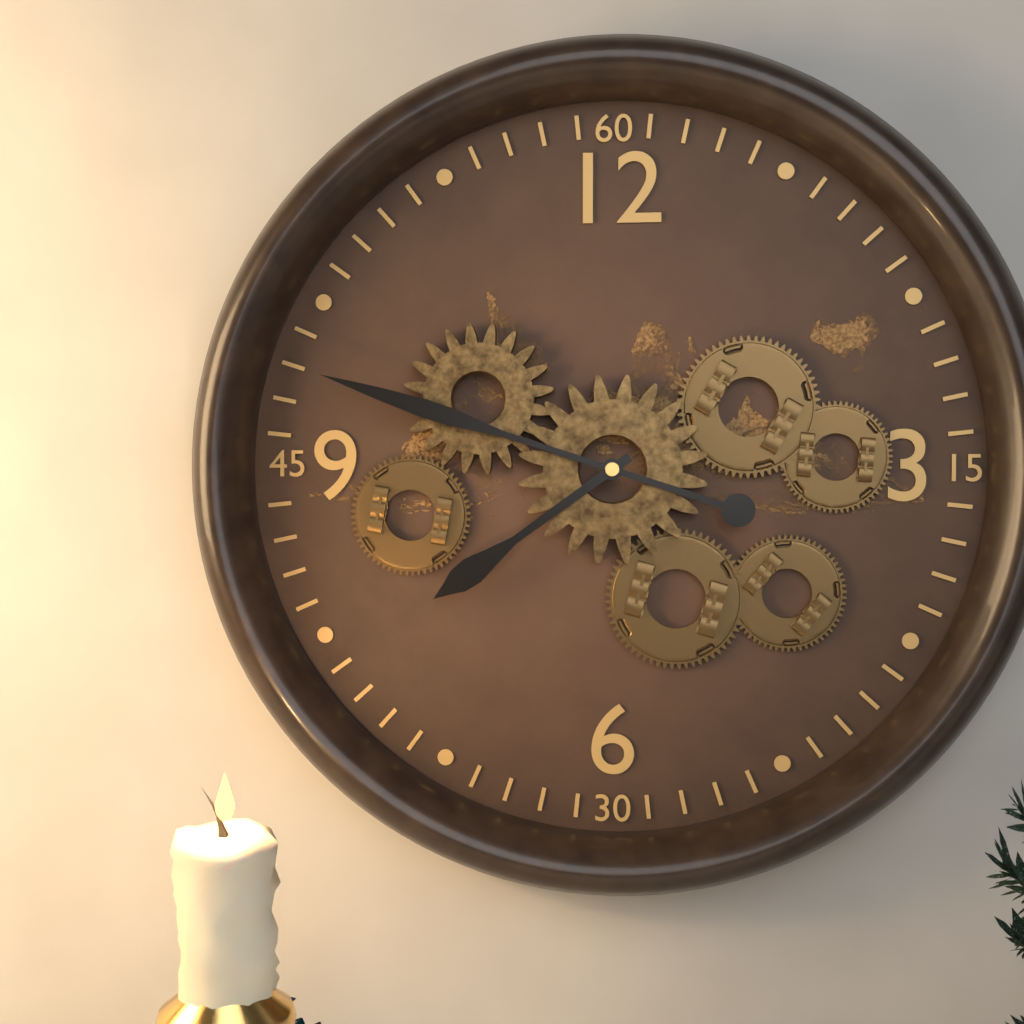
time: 7:48
